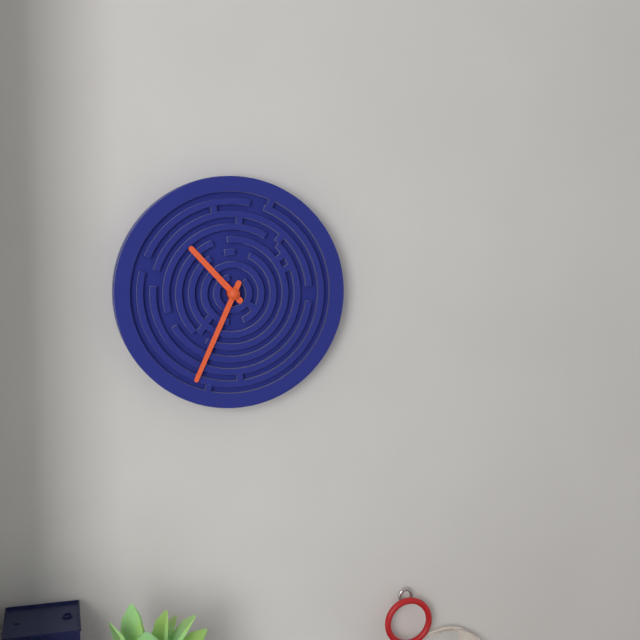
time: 10:34
